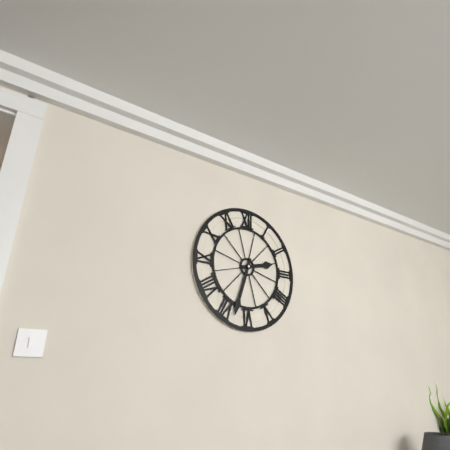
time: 2:33
